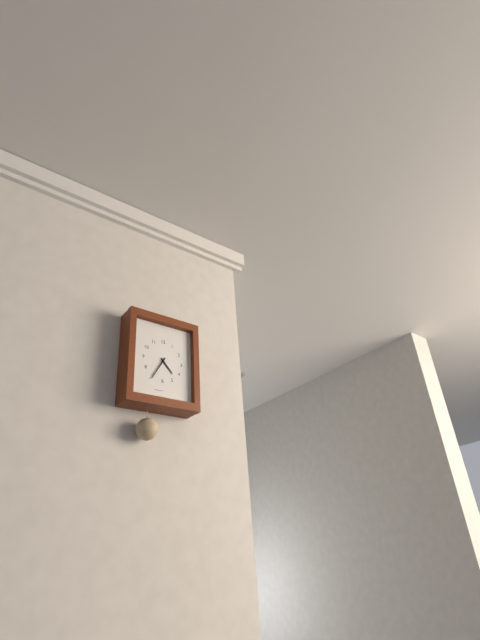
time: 4:35
